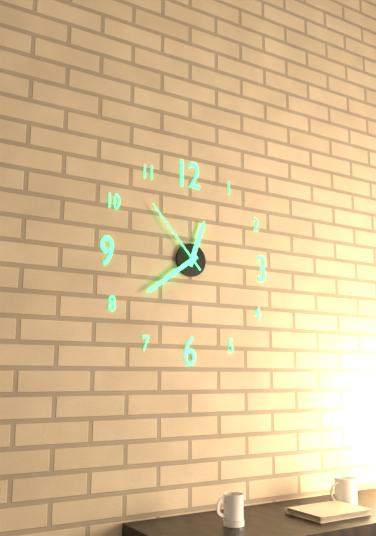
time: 12:39:53
